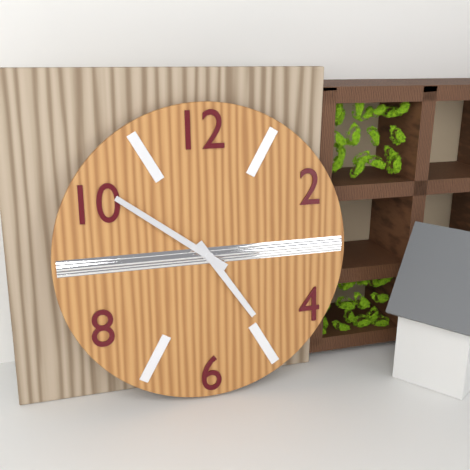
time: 4:51
